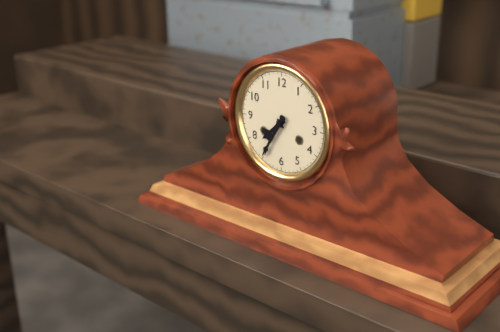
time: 7:35
